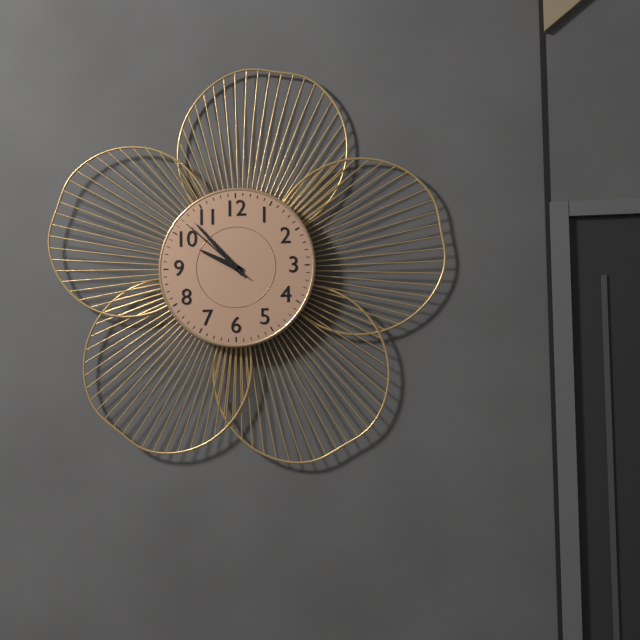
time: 9:53:52
